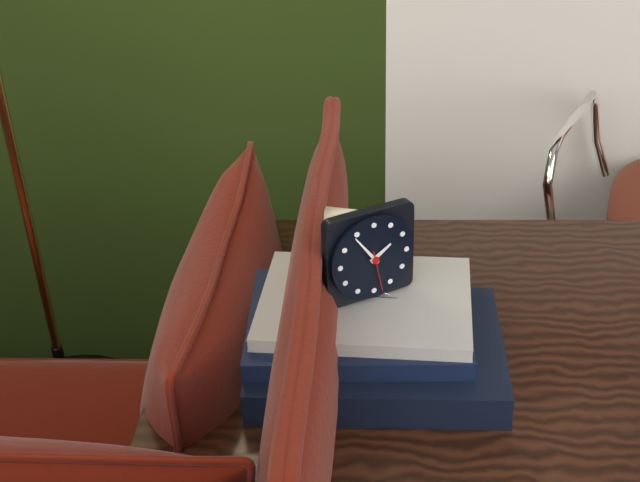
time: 1:54
